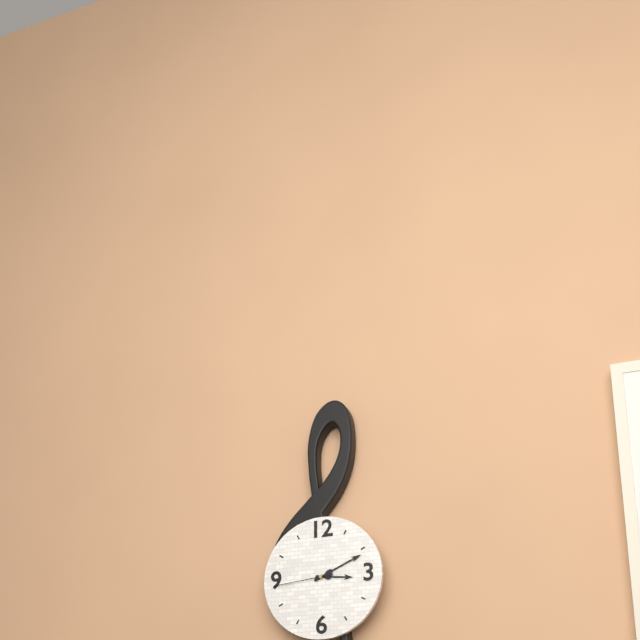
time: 3:11:44
